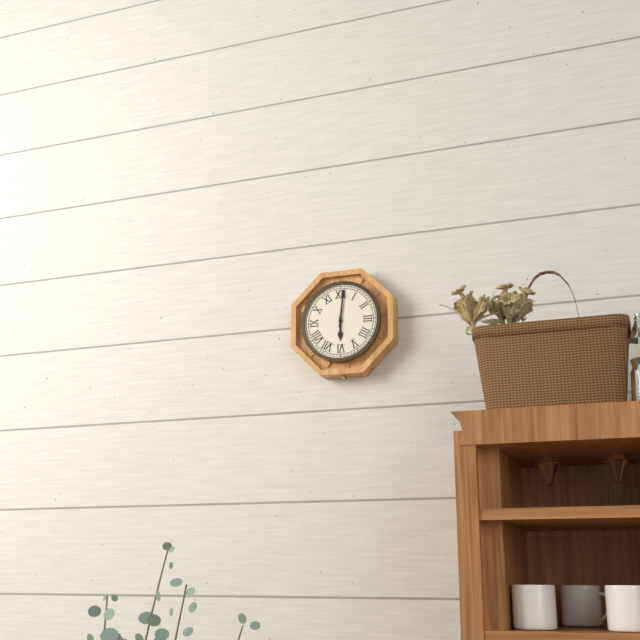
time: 6:01
